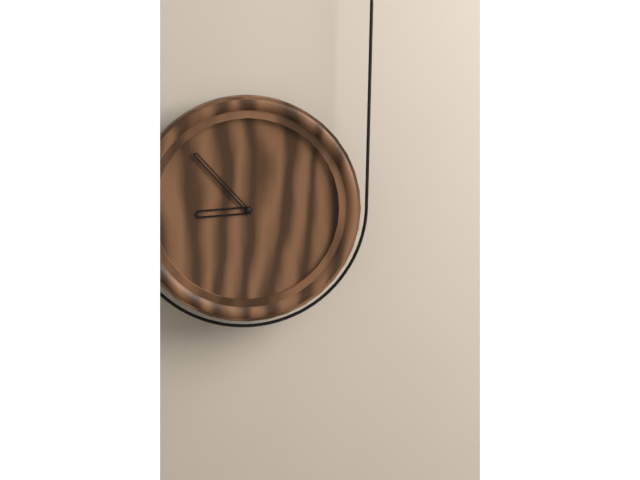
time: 8:53
